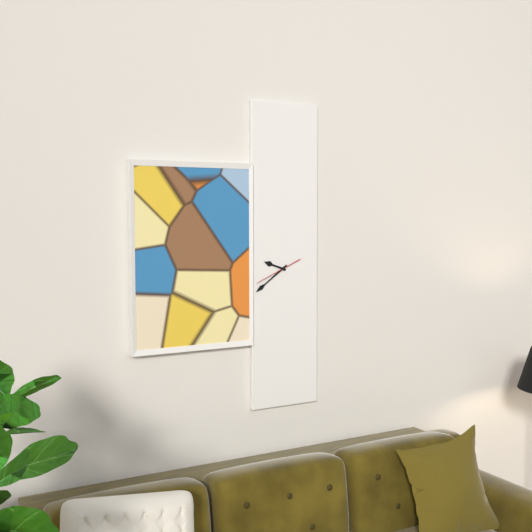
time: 9:39
